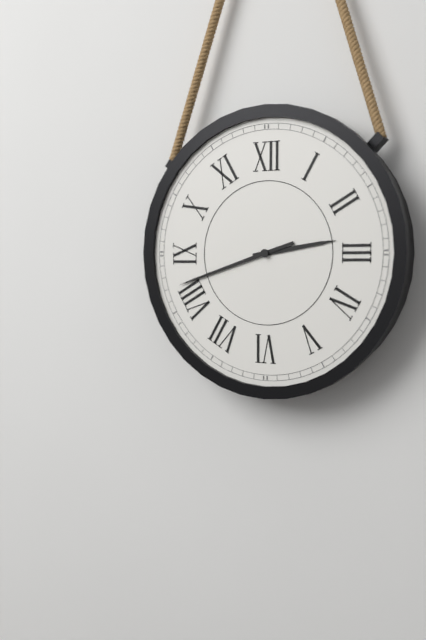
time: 2:42
